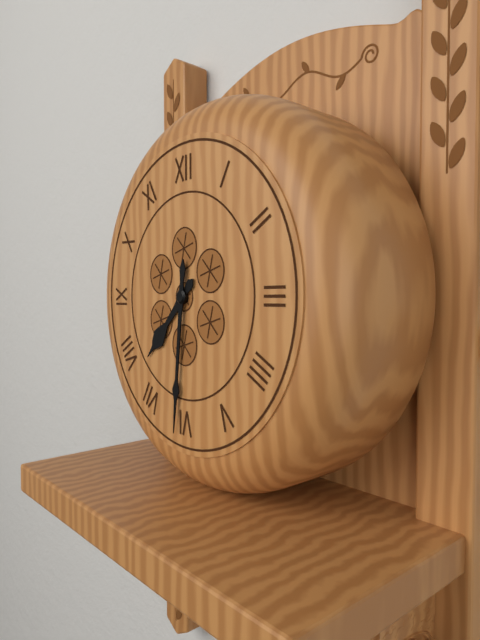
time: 7:31
